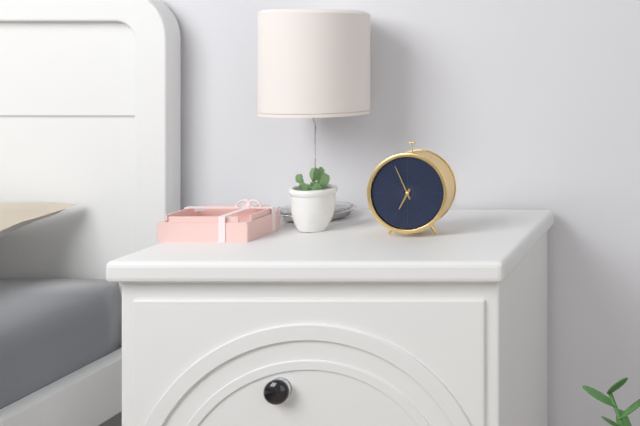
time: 6:56
